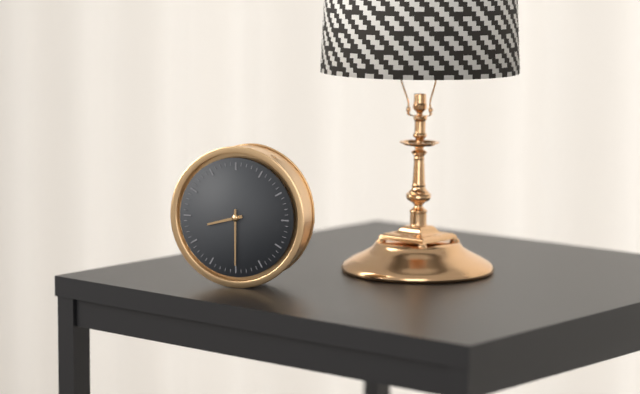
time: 8:30
